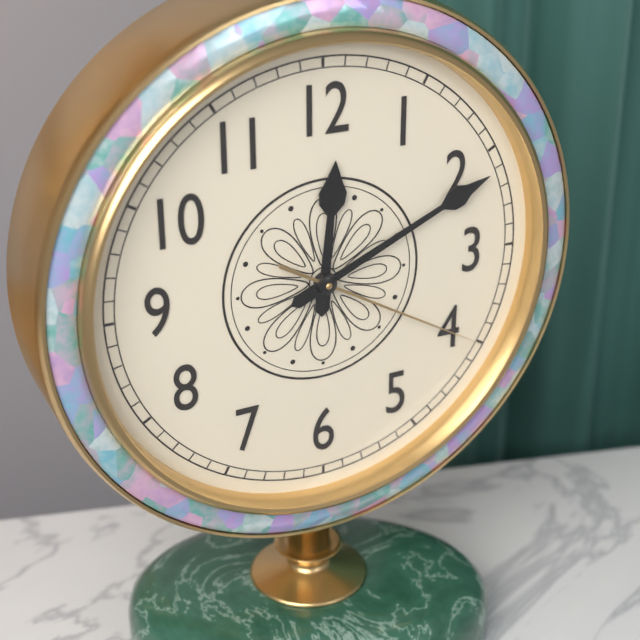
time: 12:11:20
